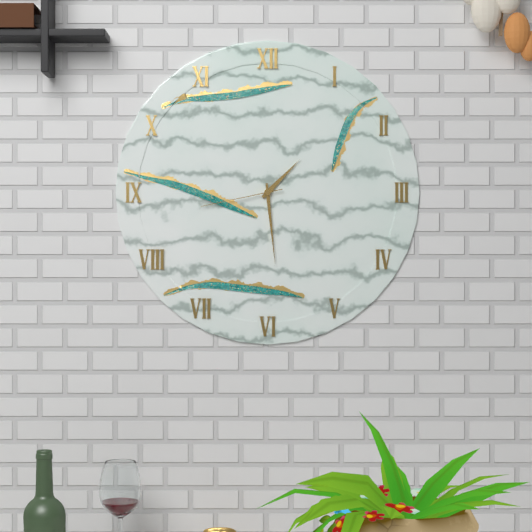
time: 1:29:43
